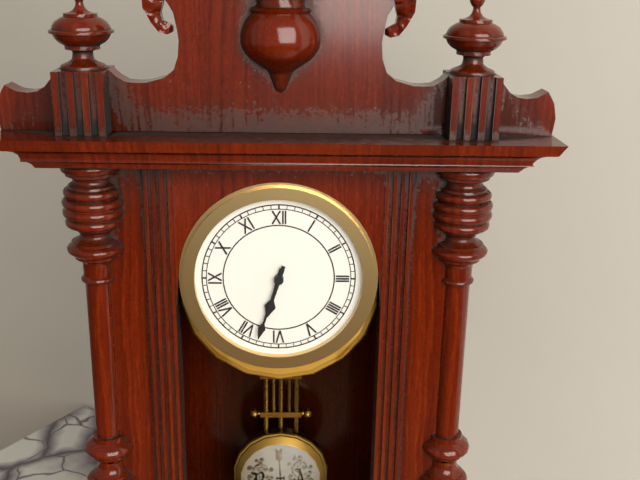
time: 6:33
